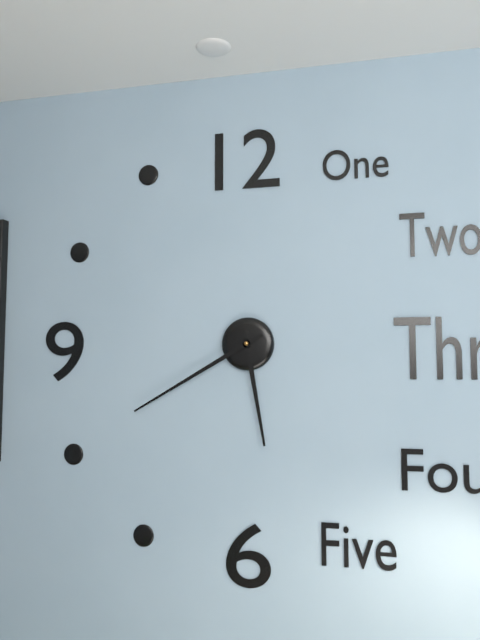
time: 5:40
